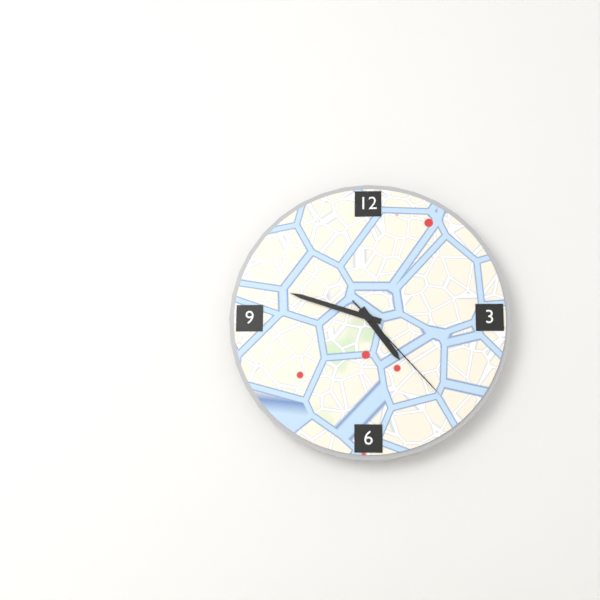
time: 4:48:23
